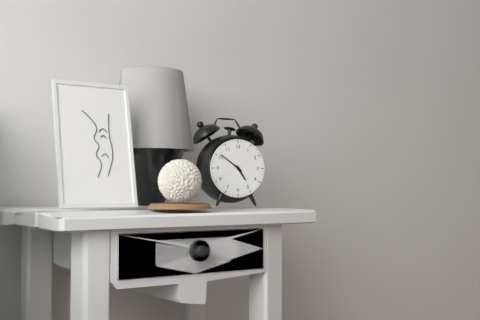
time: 4:51
